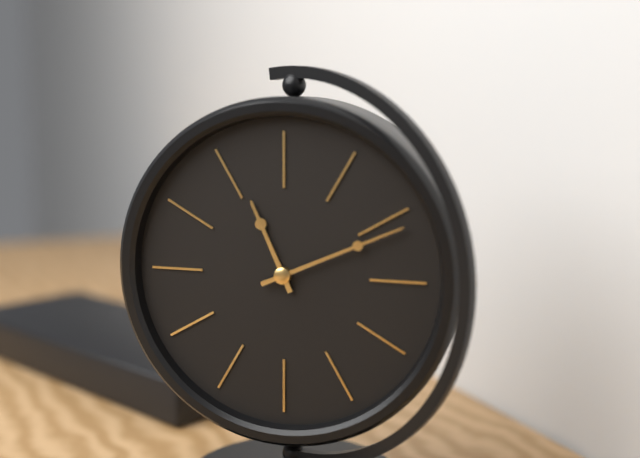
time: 11:11
